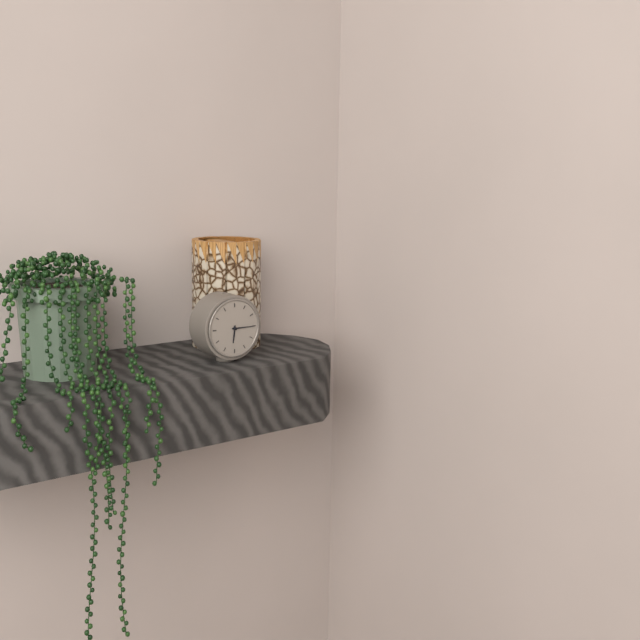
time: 6:15
